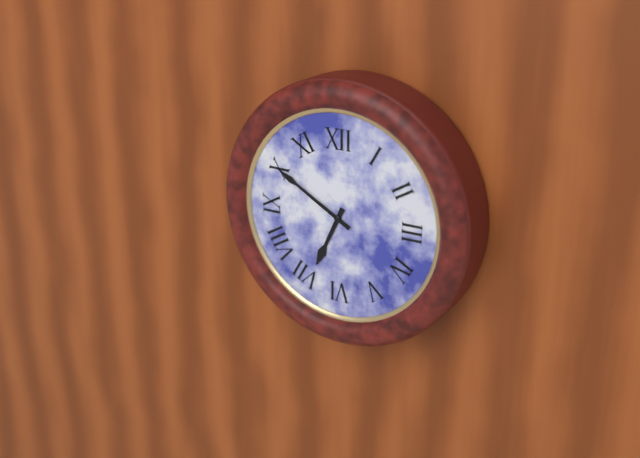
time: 6:50
